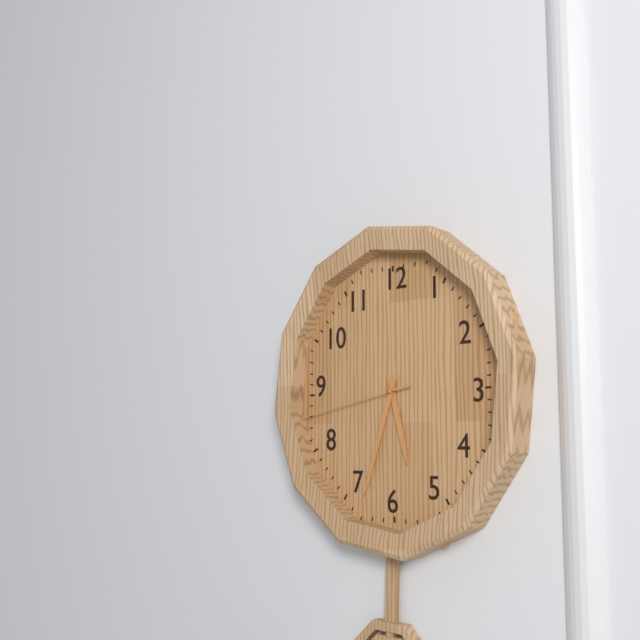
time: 5:33:43
